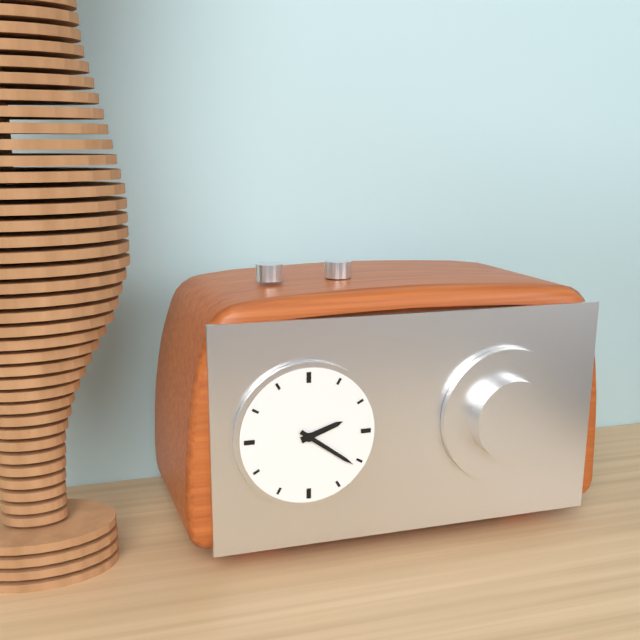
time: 2:21
